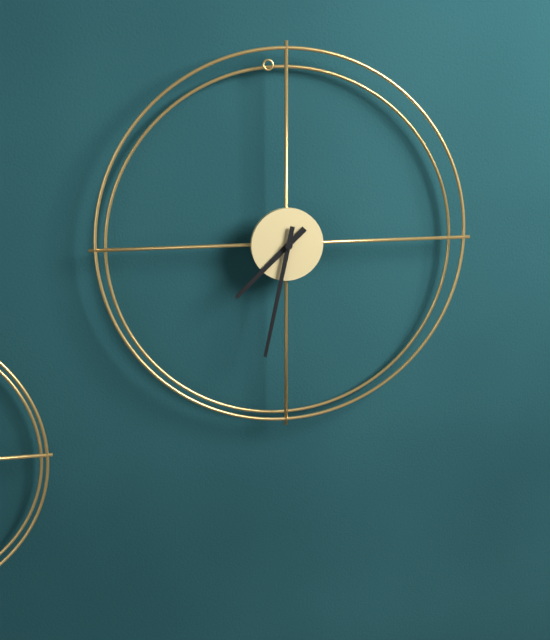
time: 7:32
